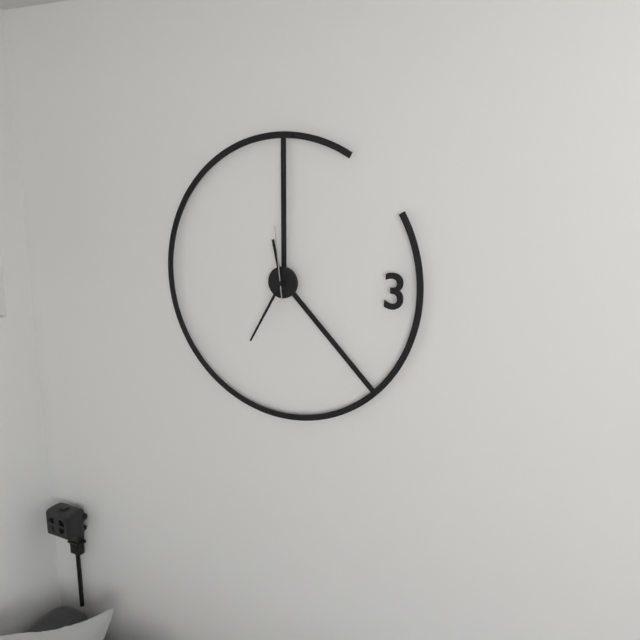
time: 11:35:59
